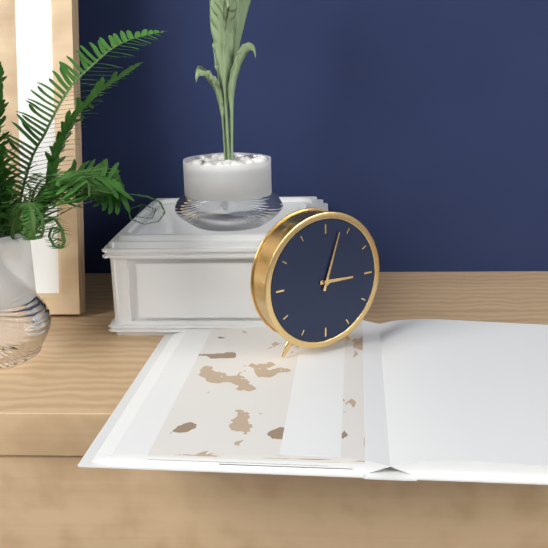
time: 3:03
